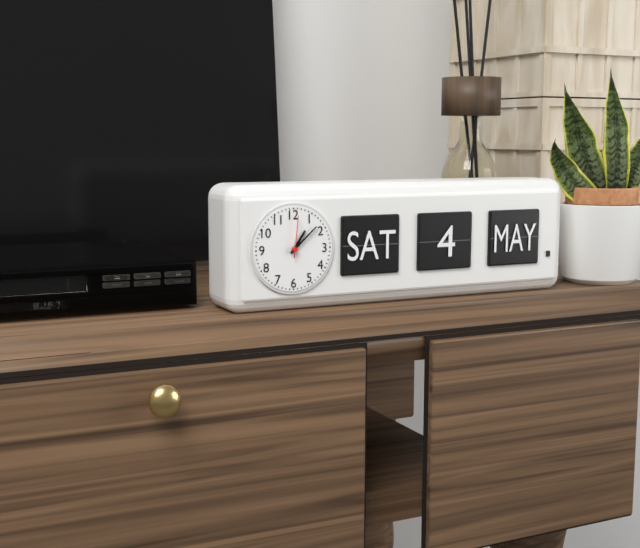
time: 1:08
